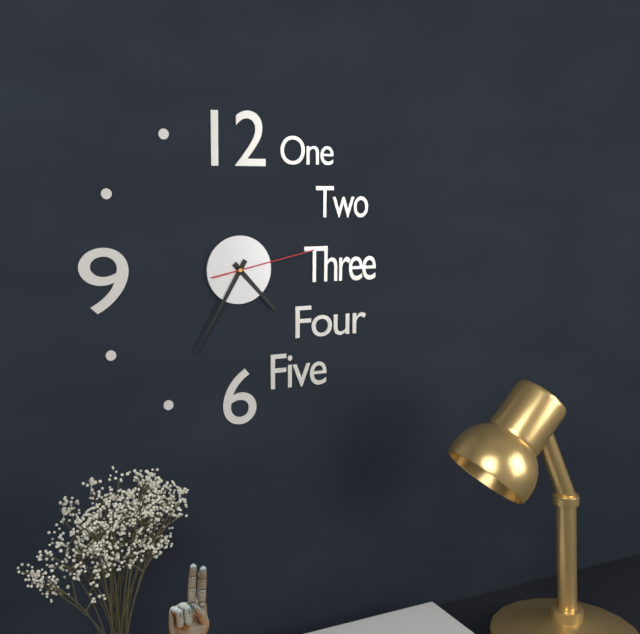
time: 4:35:13
